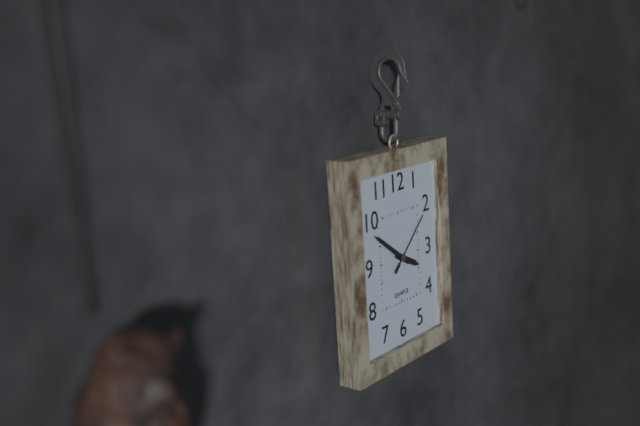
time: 3:51:08
